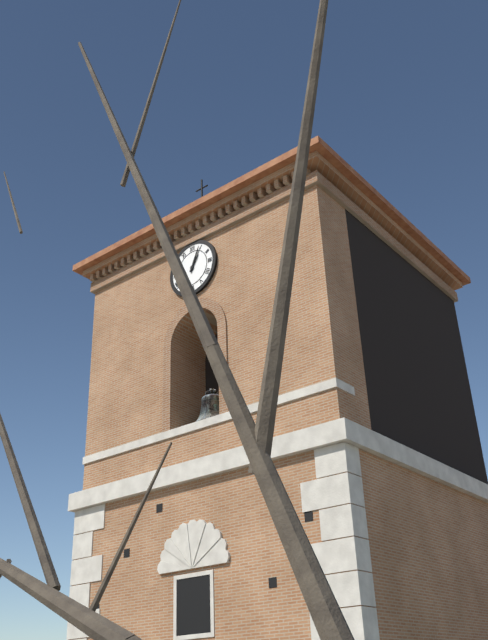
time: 1:04
